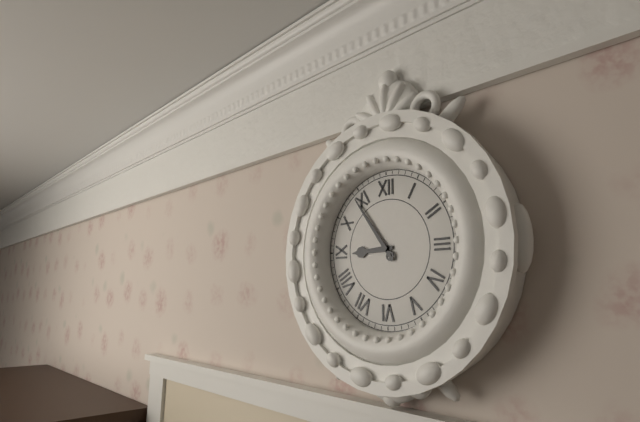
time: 8:54
